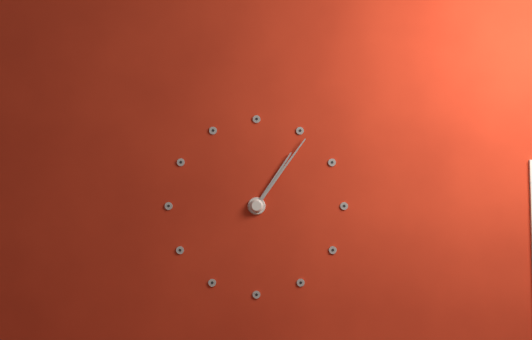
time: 1:06
